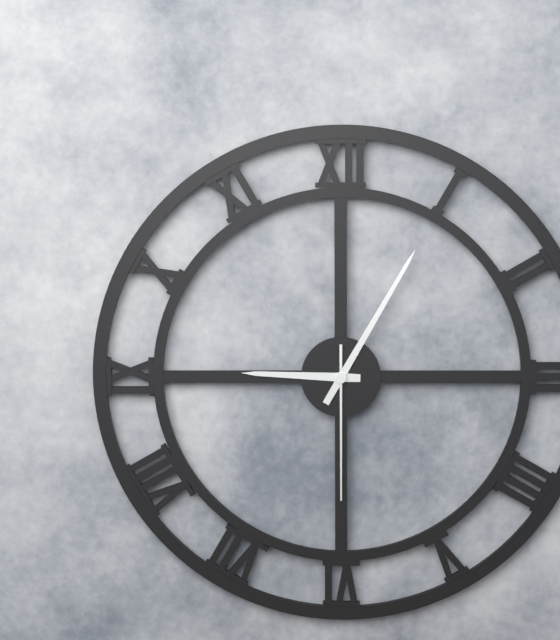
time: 9:05:30
